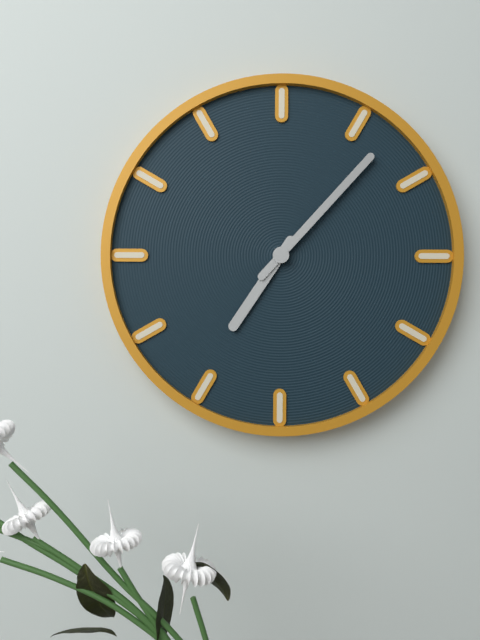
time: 7:07
